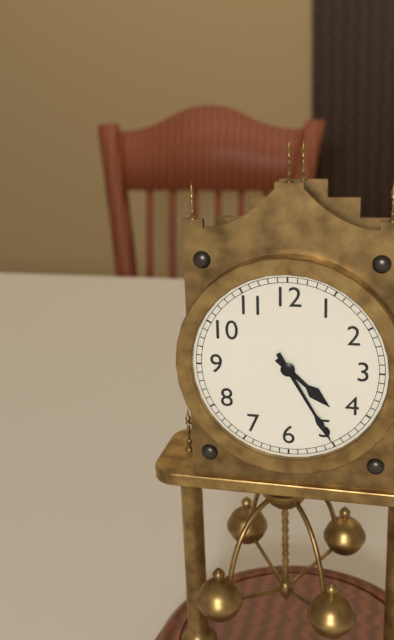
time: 4:25
